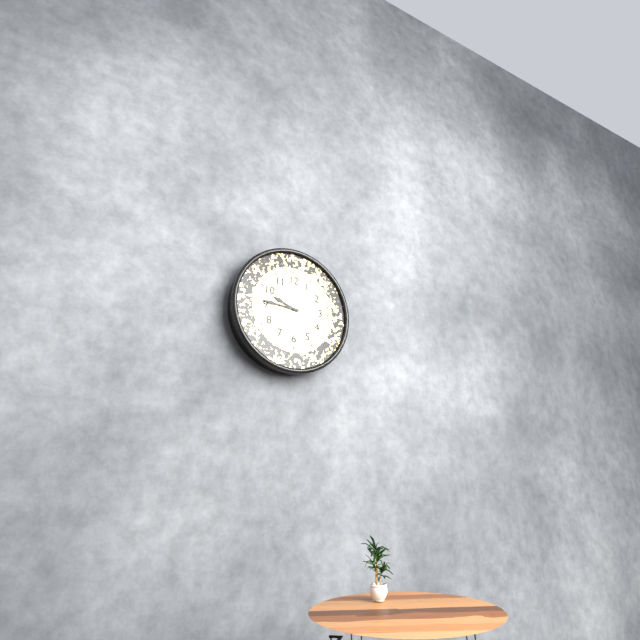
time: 9:46
